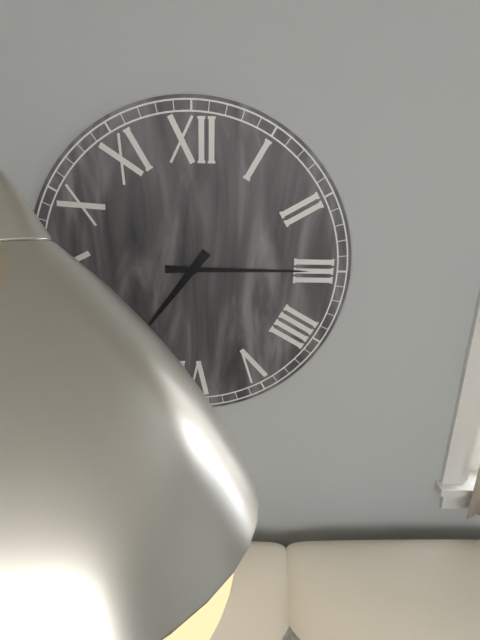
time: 7:15
